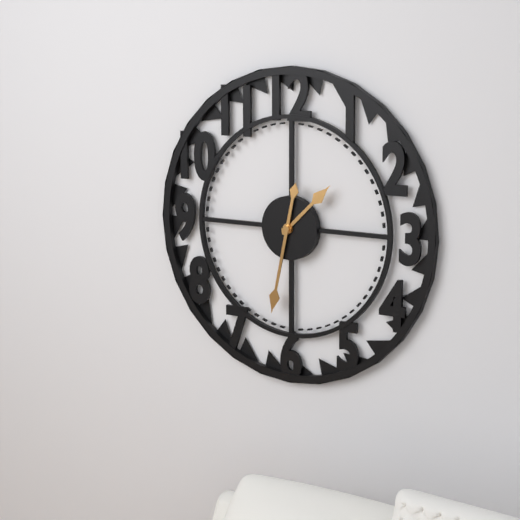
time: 1:32
